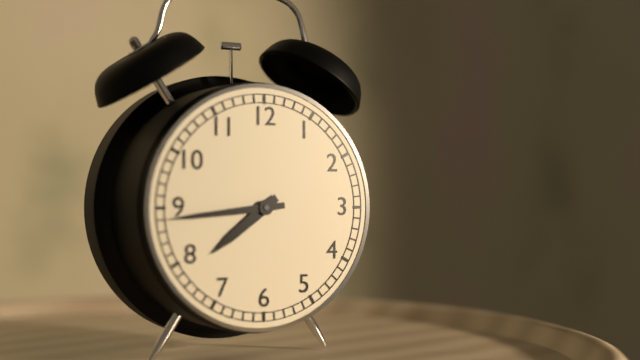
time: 7:44
